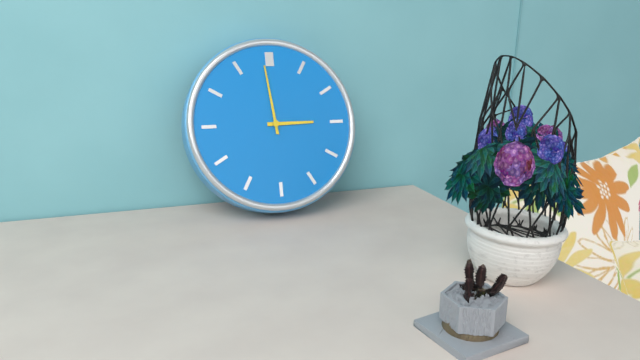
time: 2:59
